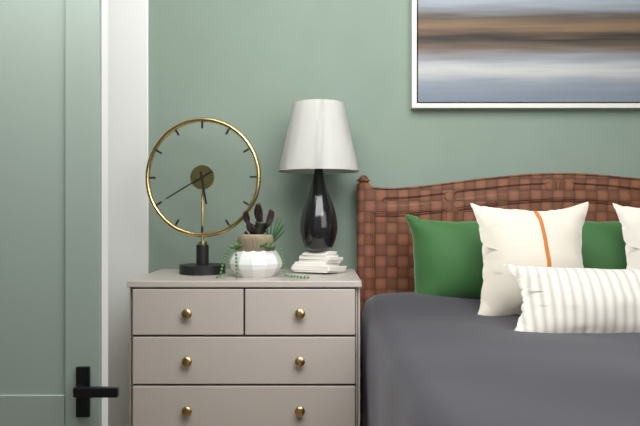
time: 5:40
